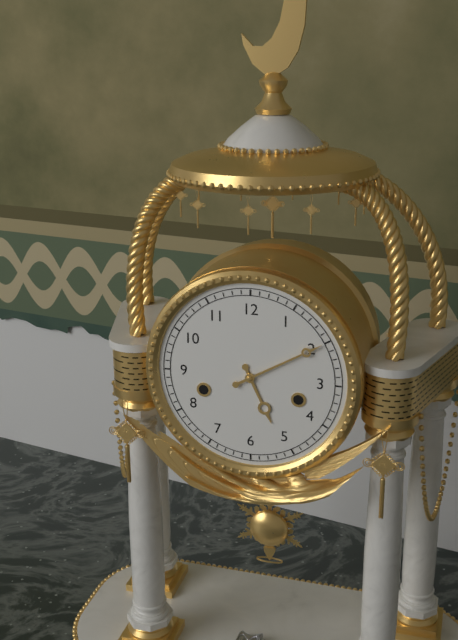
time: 5:10
